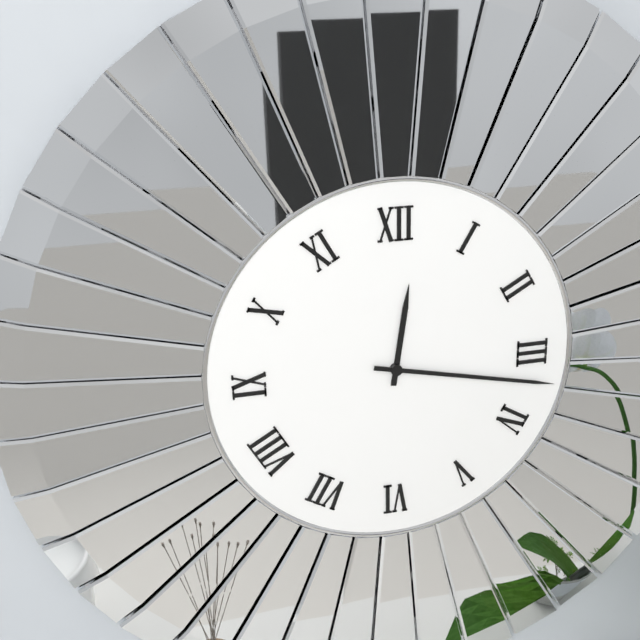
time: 12:17
